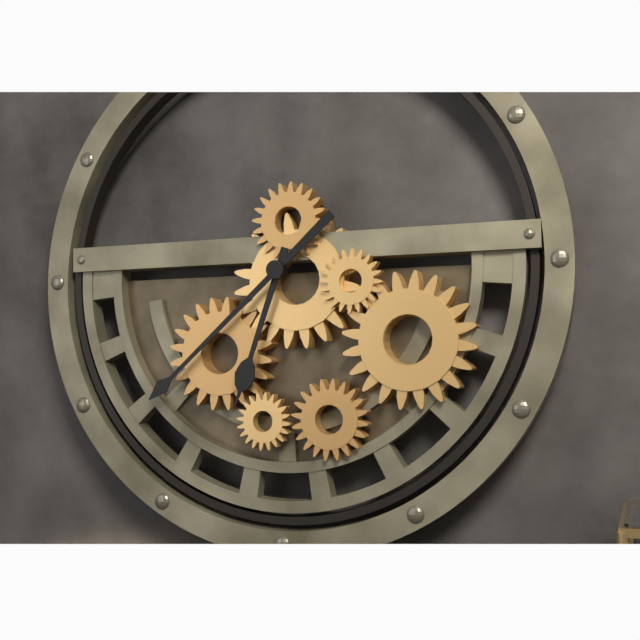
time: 6:38
